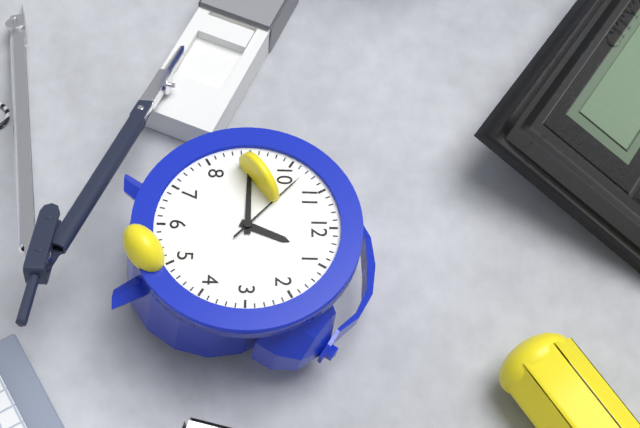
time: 12:45:52
